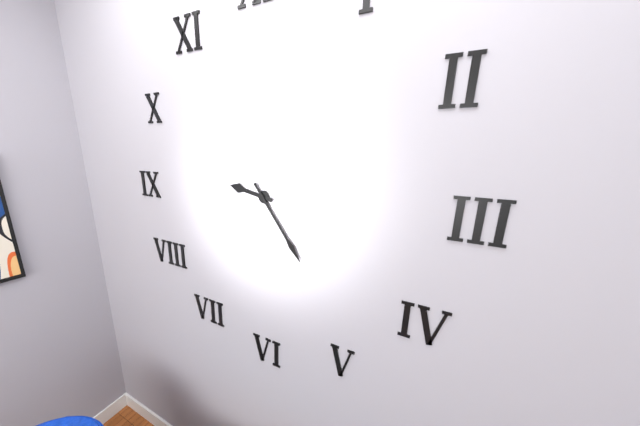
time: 9:24
